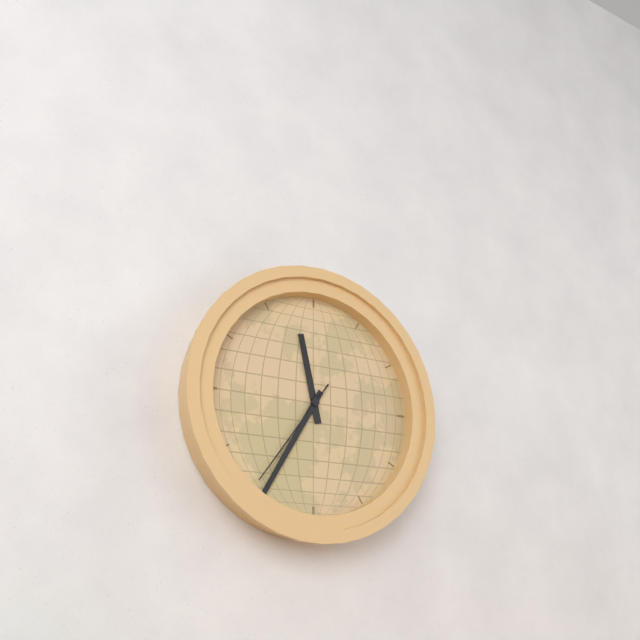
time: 11:35:36
